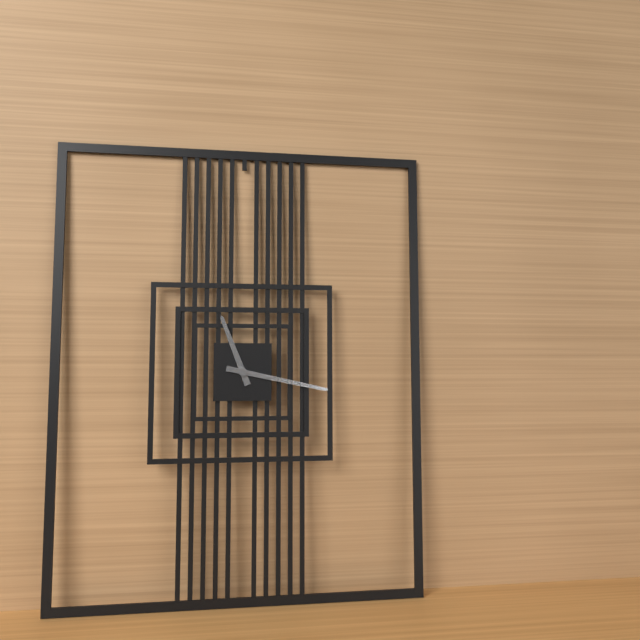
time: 11:17
